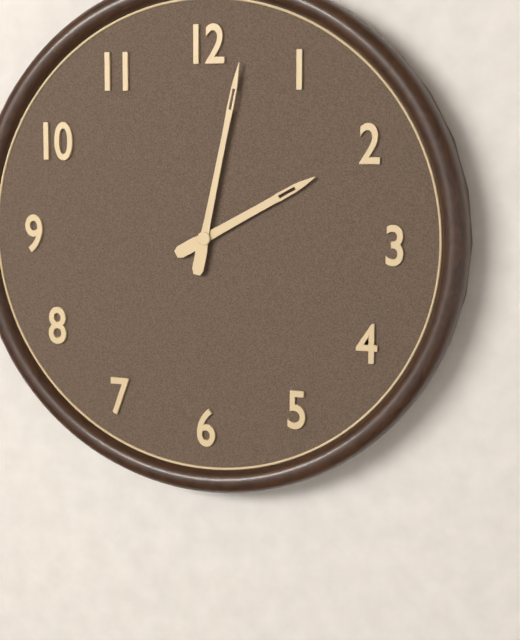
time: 2:02
